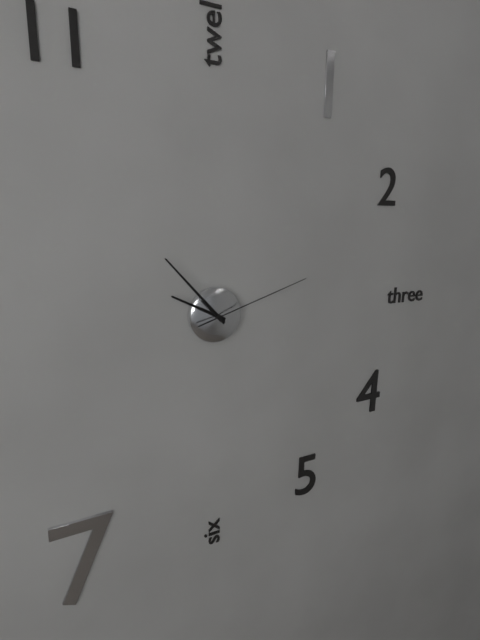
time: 9:53:12
